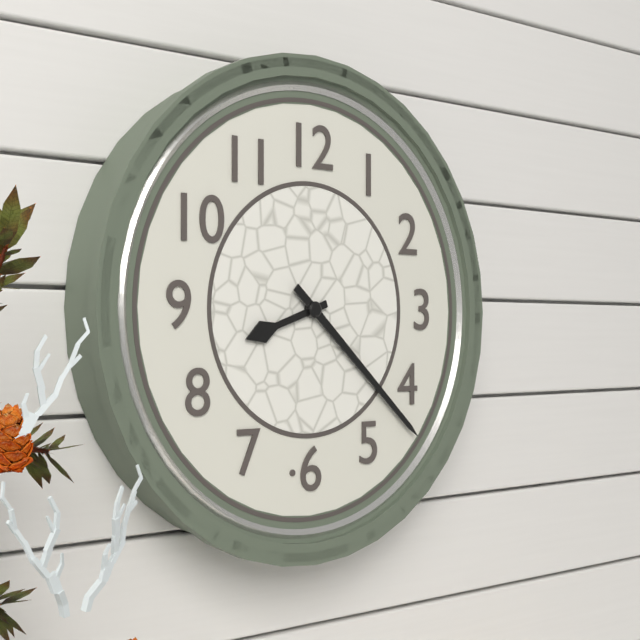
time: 8:22
